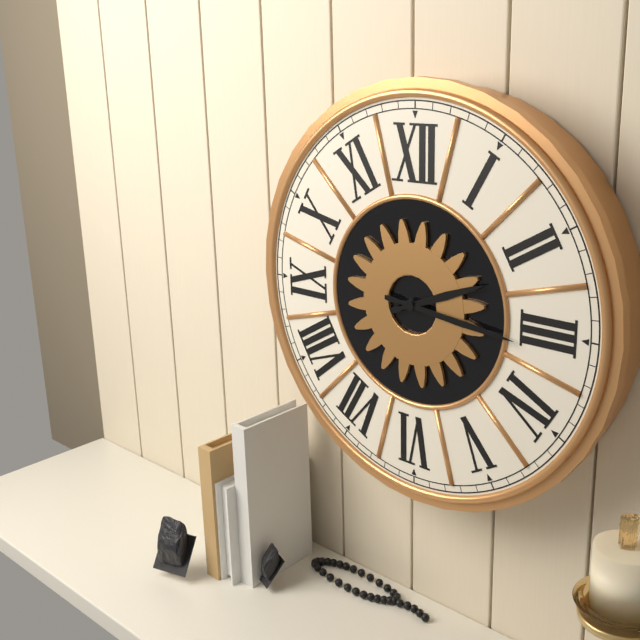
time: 2:16
